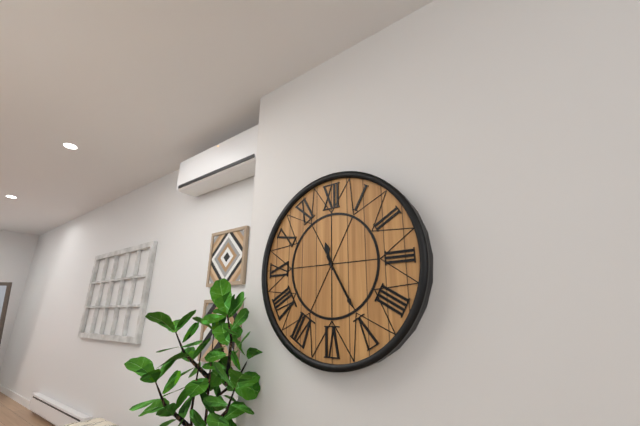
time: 11:25
